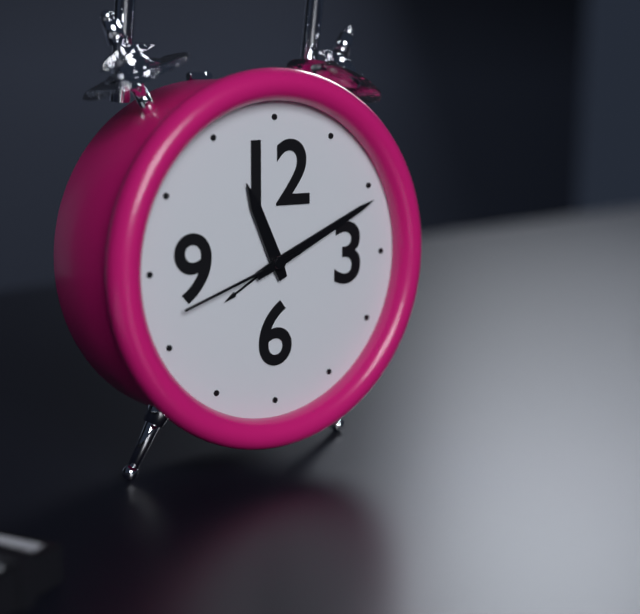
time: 11:11:42
